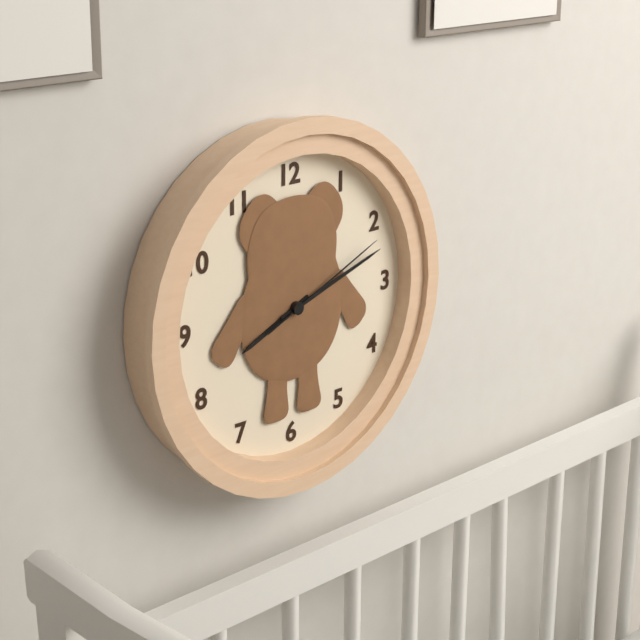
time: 8:12:11
